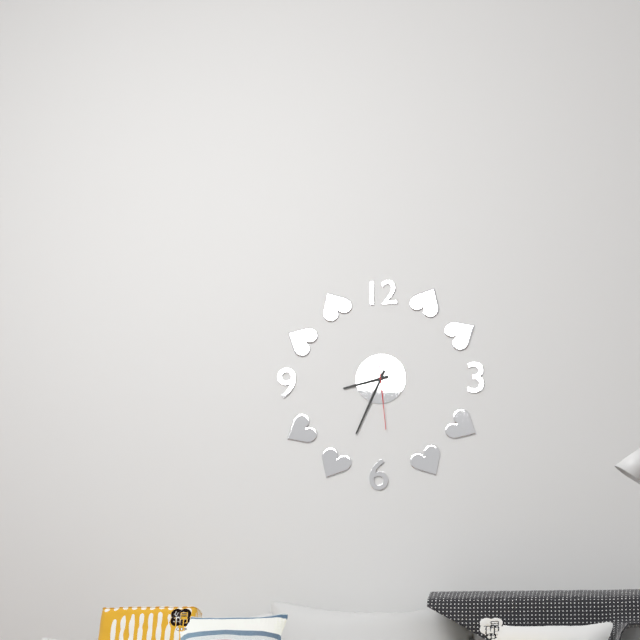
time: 8:34:29
